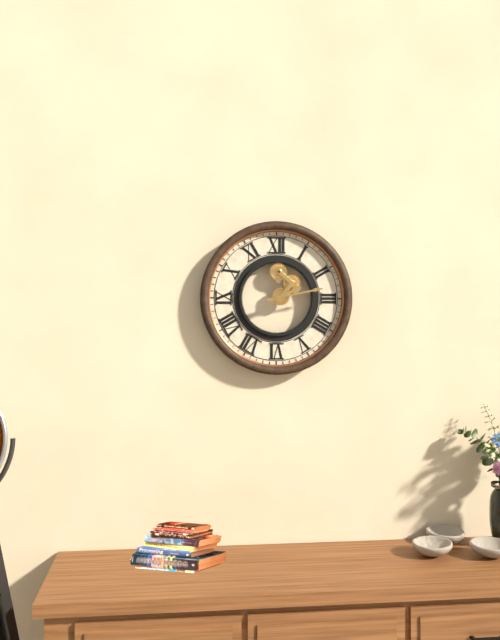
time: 2:13
